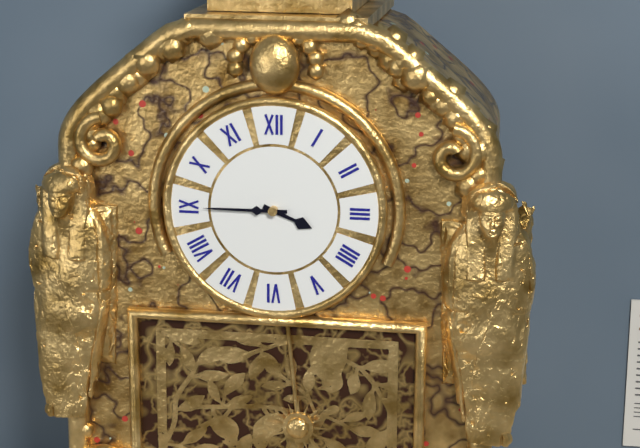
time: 3:45
